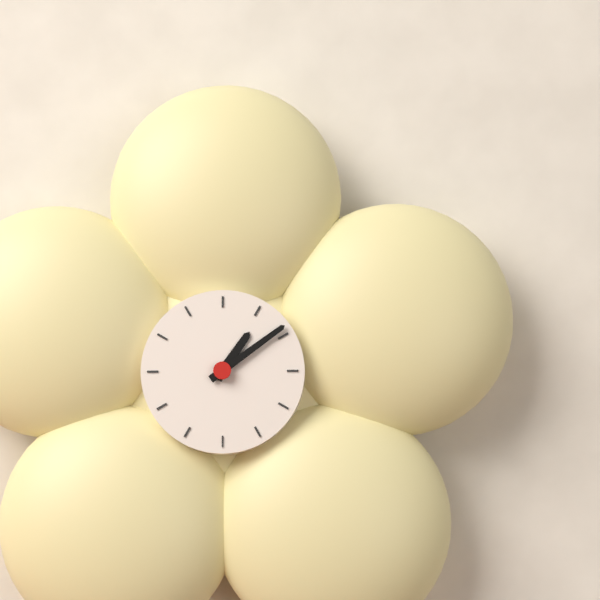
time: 1:09
